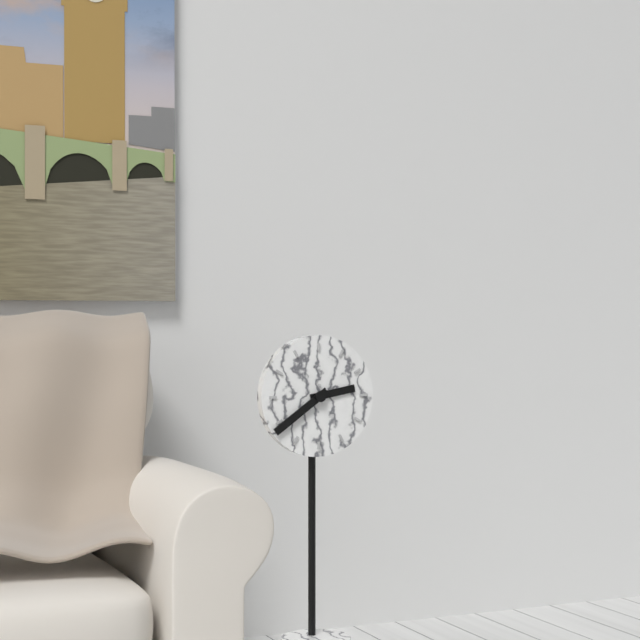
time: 2:39
